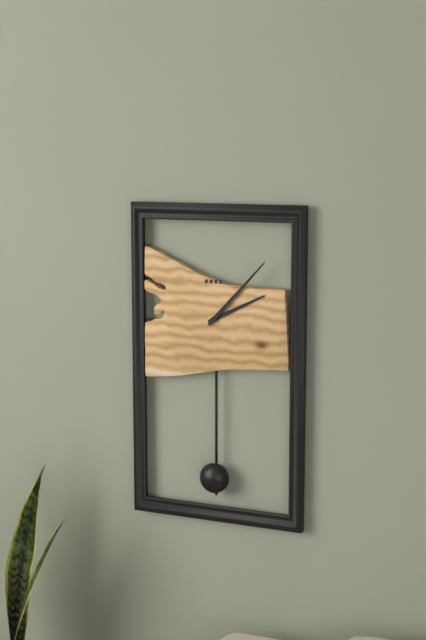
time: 2:07
